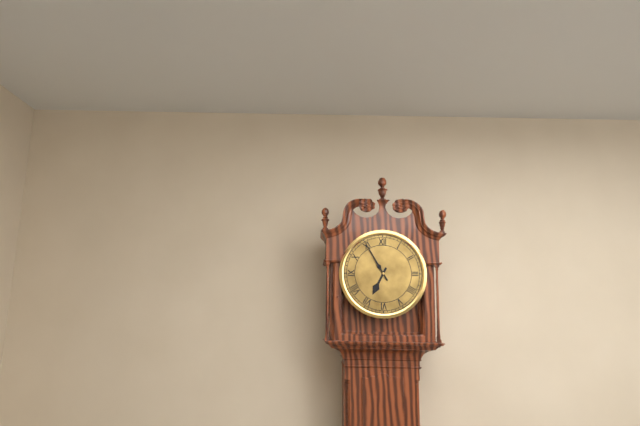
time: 6:55
